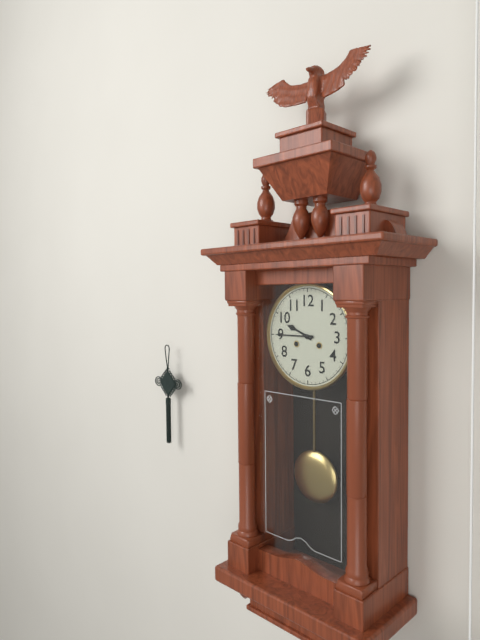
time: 9:45
